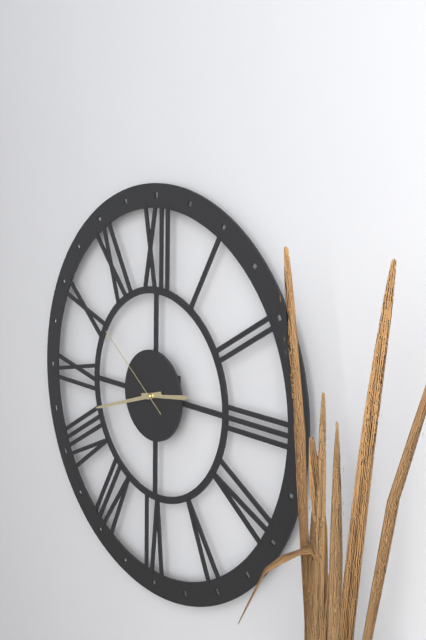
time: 2:42:51
